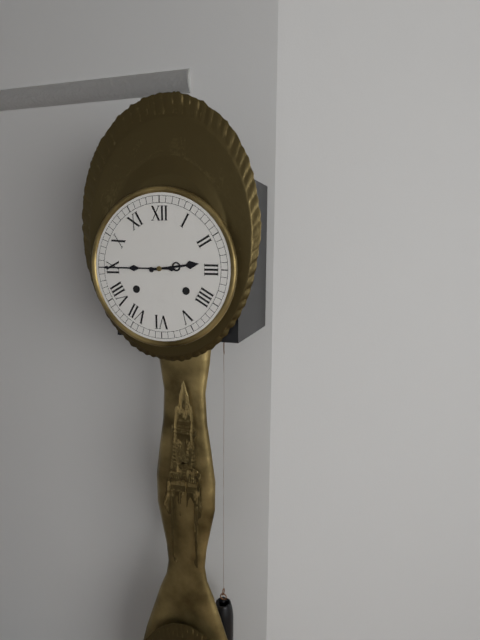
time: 2:45
